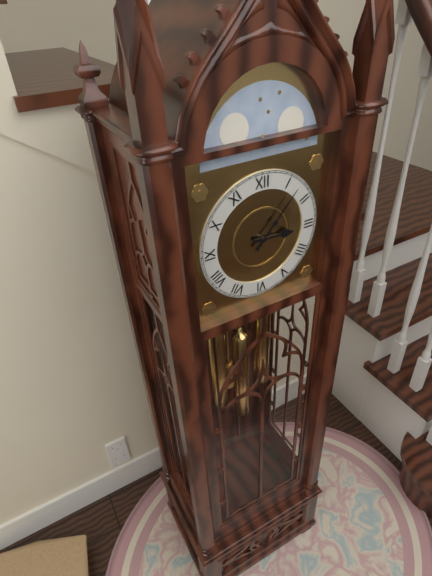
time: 3:07
